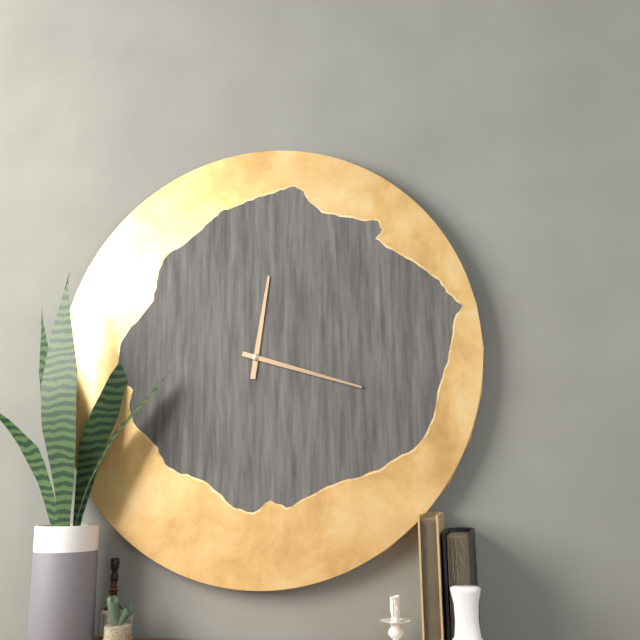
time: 12:18
